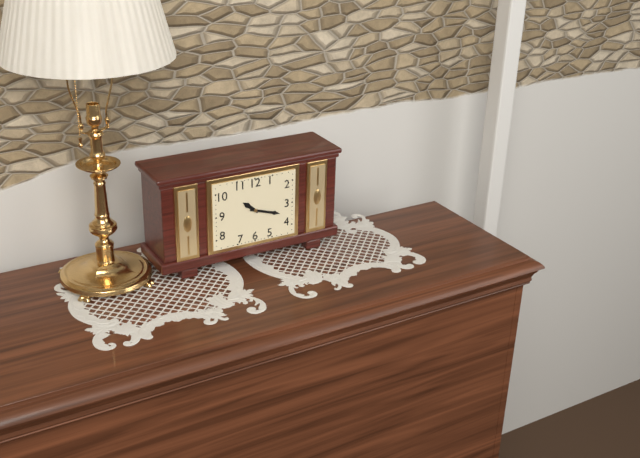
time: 10:18
